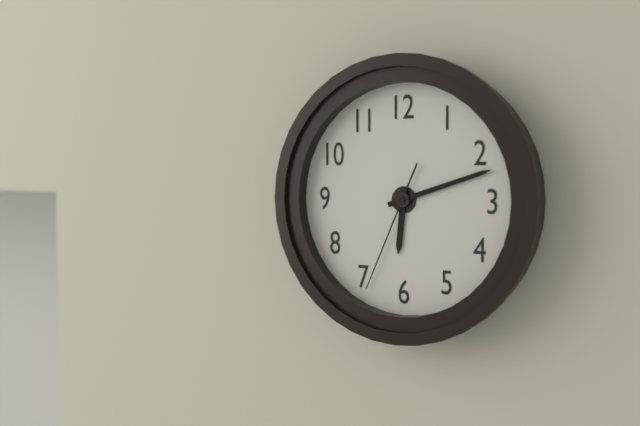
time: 6:12:34
